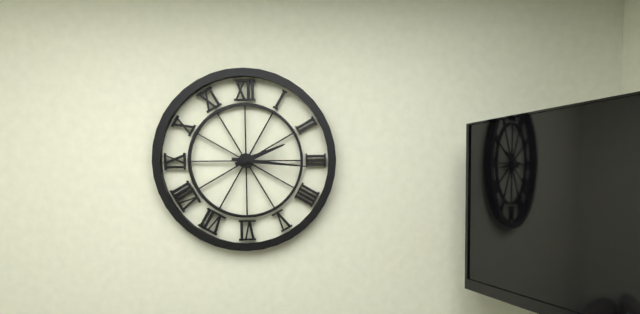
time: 2:16
